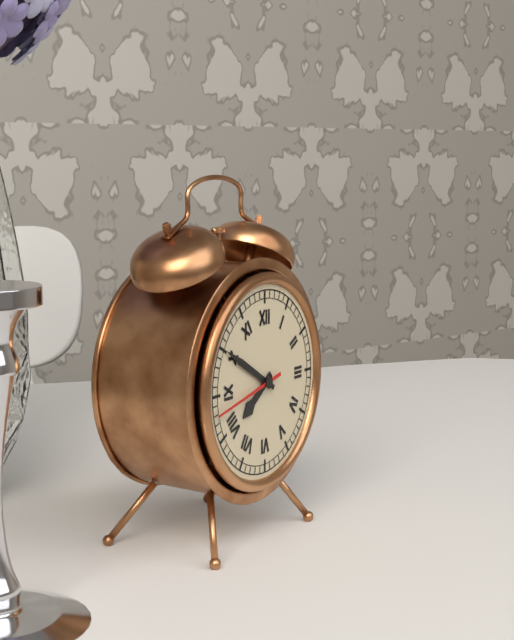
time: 7:50:43
